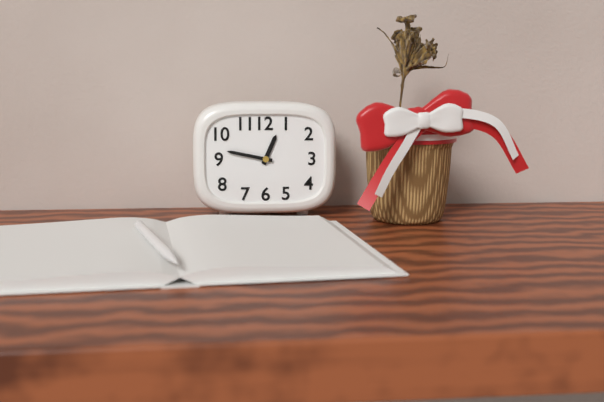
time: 12:47
